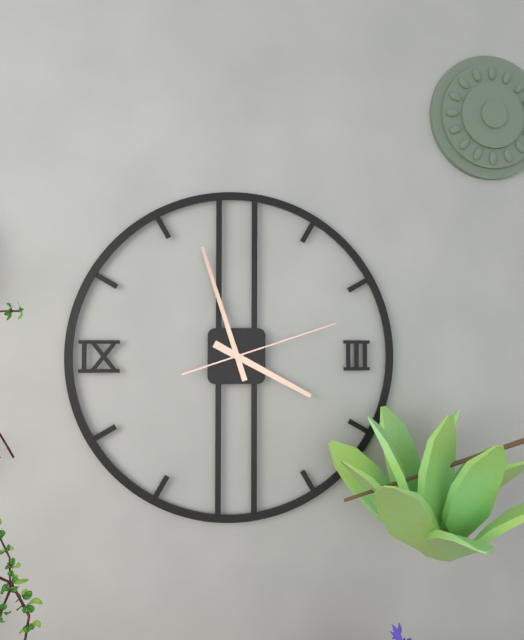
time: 3:57:12
